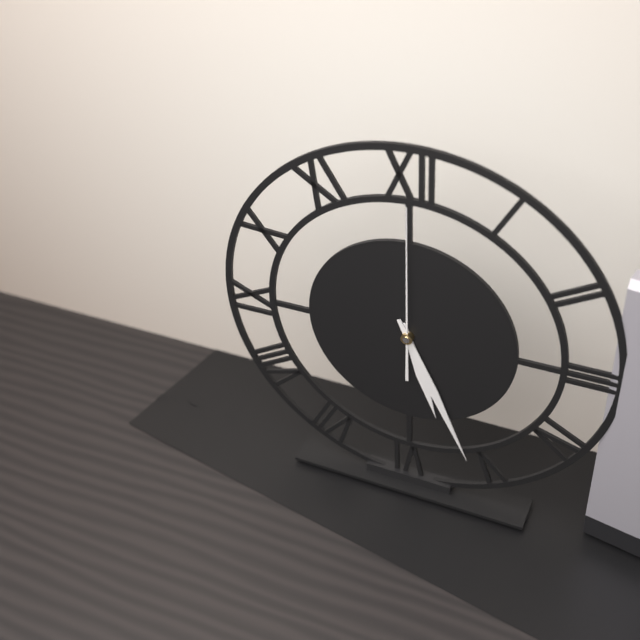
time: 5:26:00
